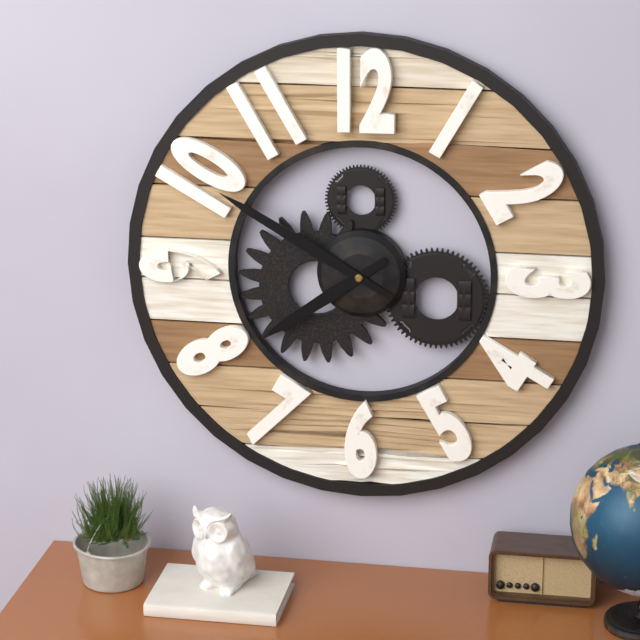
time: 7:50
